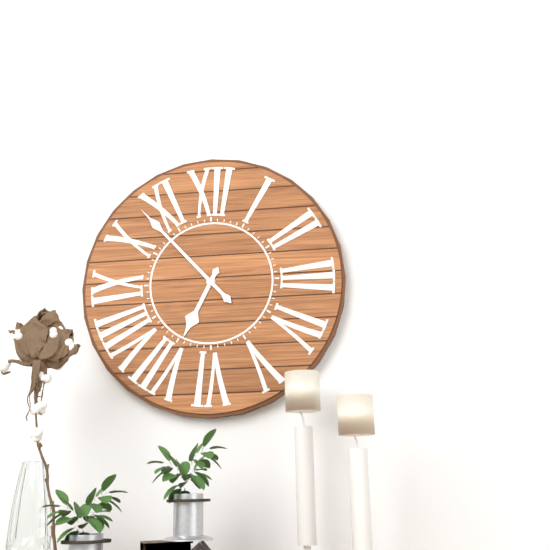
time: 6:53
